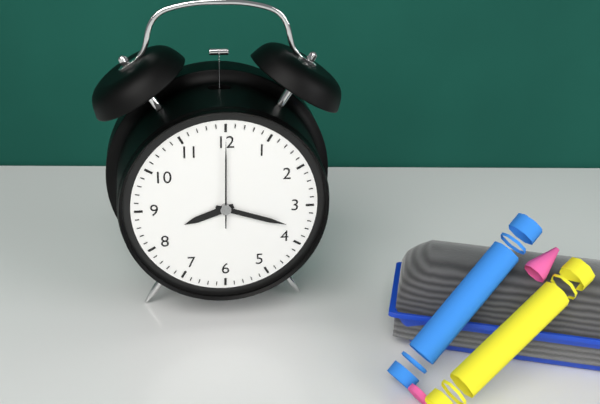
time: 8:18:00
